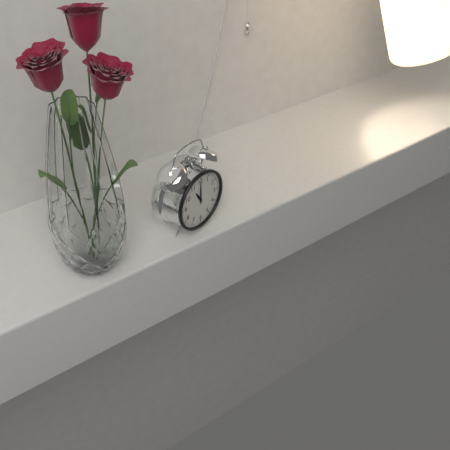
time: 11:00
